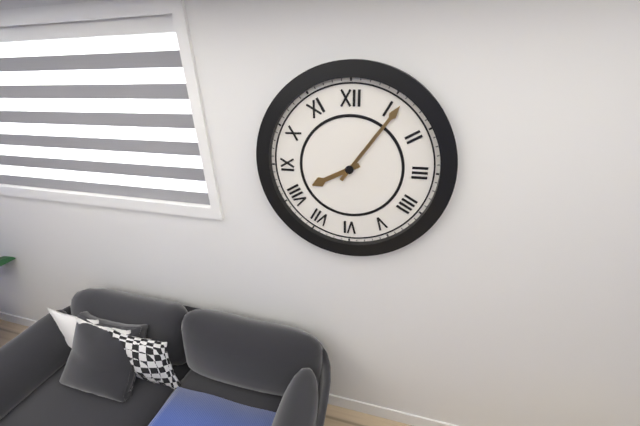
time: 8:06
